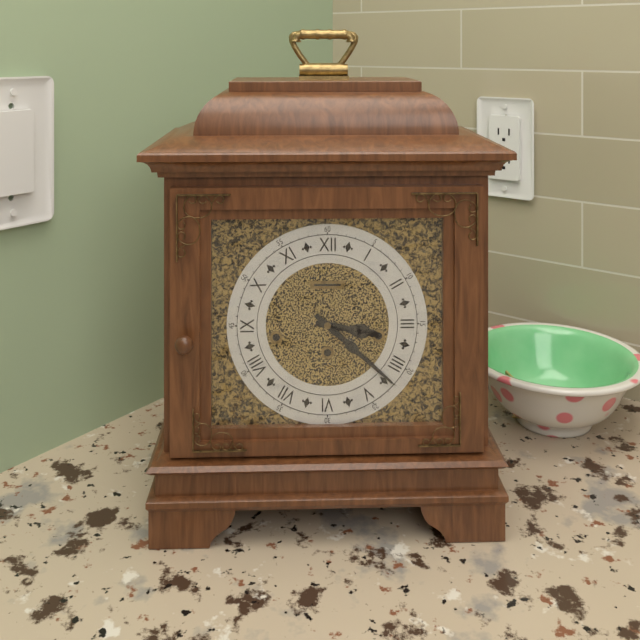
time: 3:22
